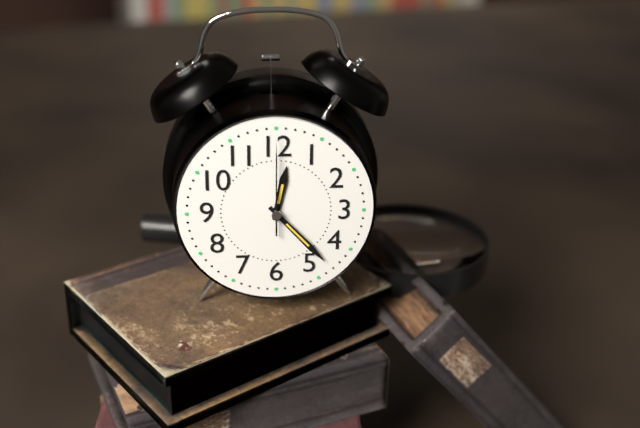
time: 12:23:00
